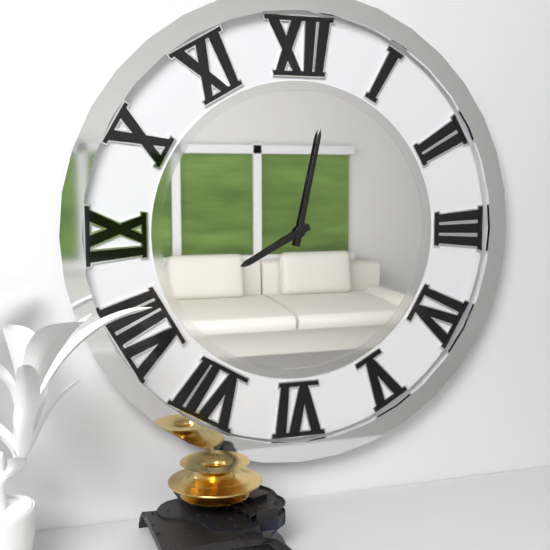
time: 8:02
